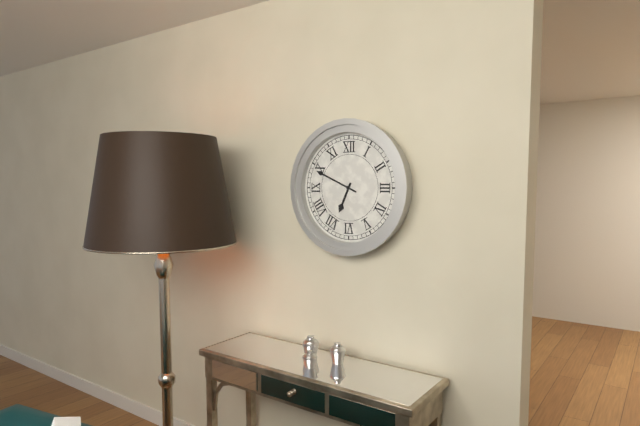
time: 6:49
